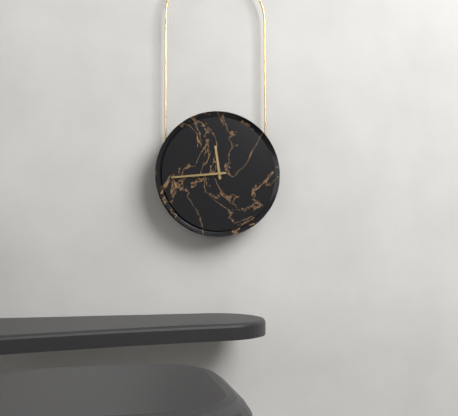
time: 11:44
